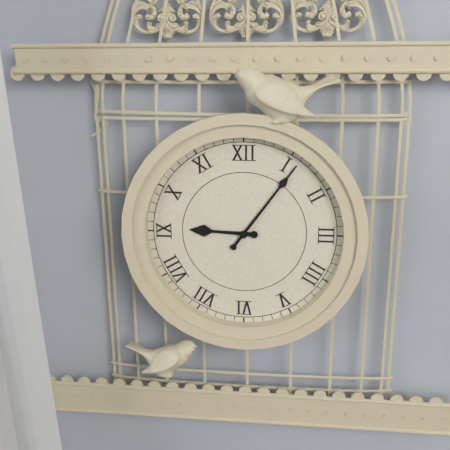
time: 9:06
